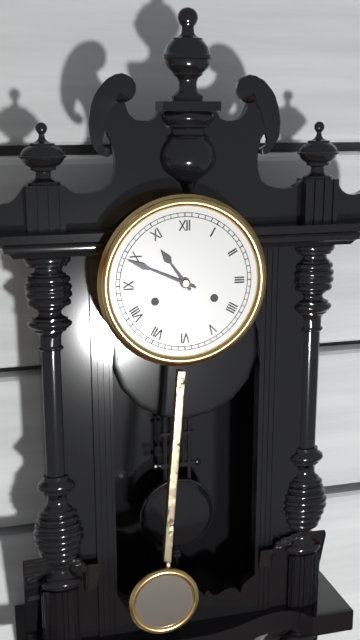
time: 10:49
